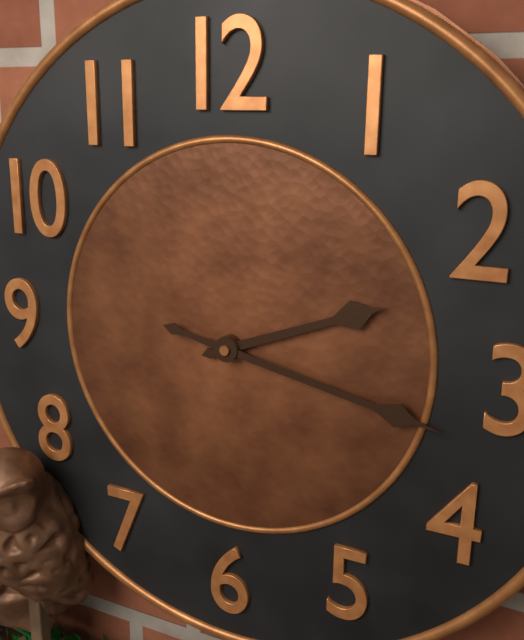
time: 2:17
